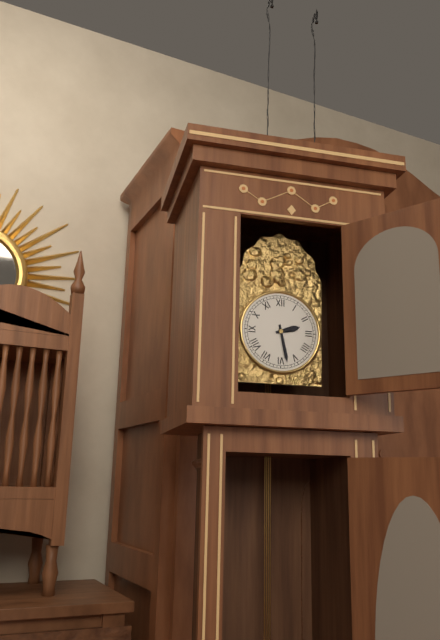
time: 2:28
